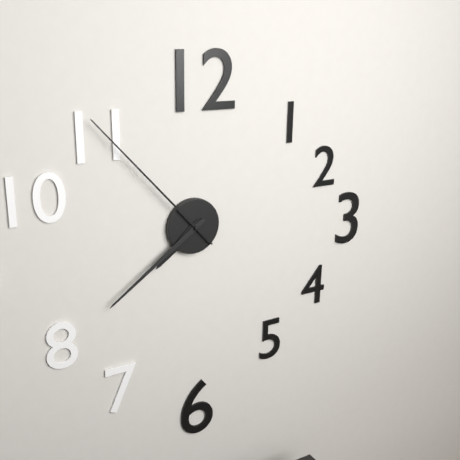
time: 7:39:53
